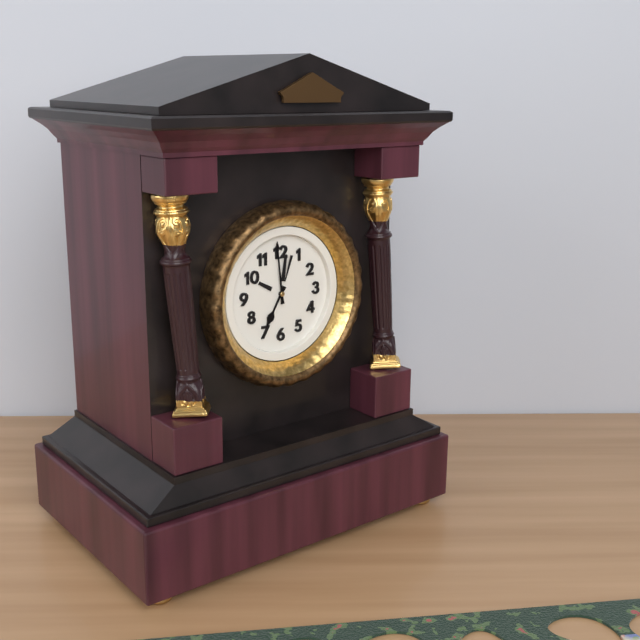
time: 6:59
